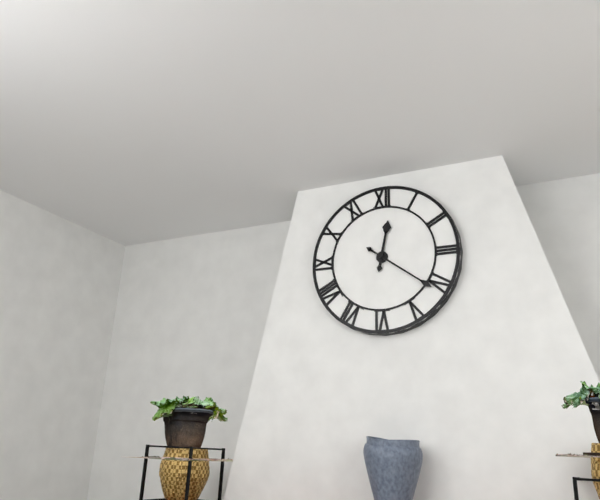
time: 12:21
